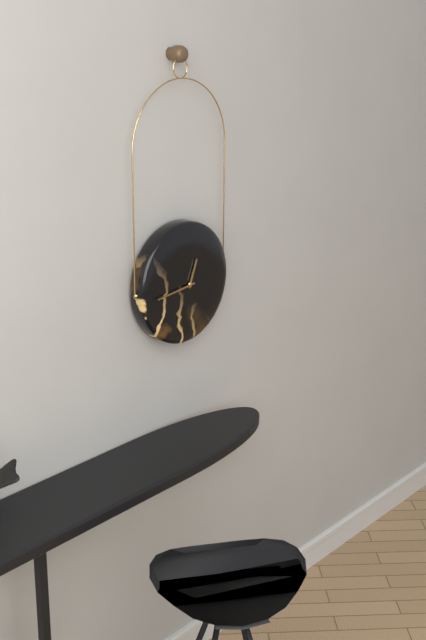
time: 12:44
